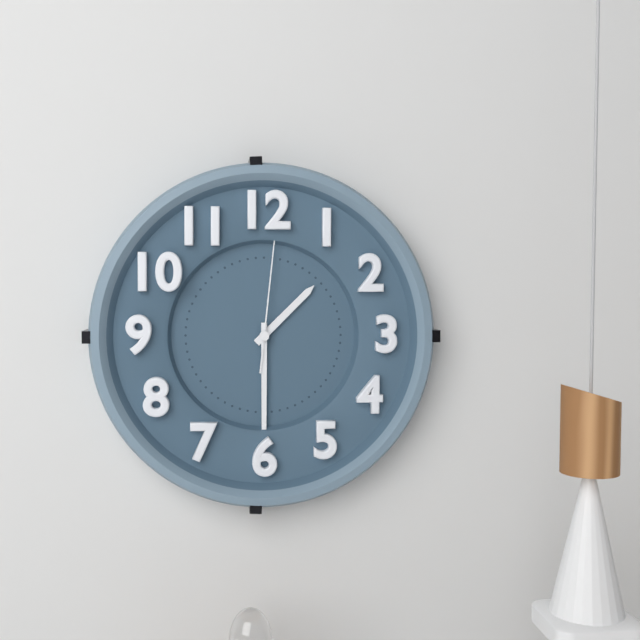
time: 1:30:01
